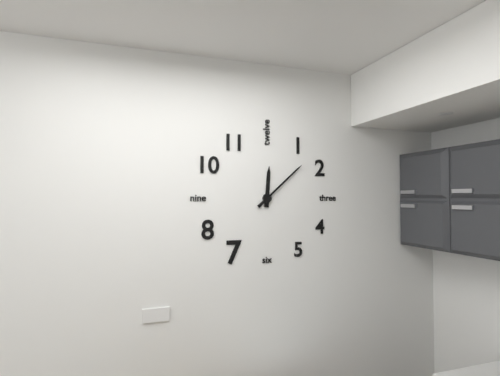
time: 12:08
